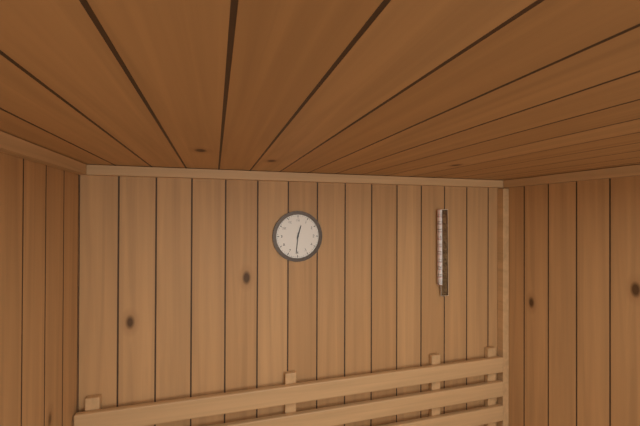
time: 12:31
